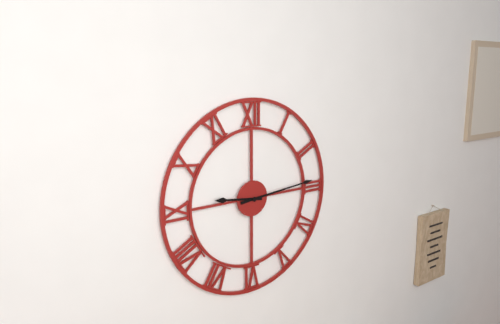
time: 9:14
